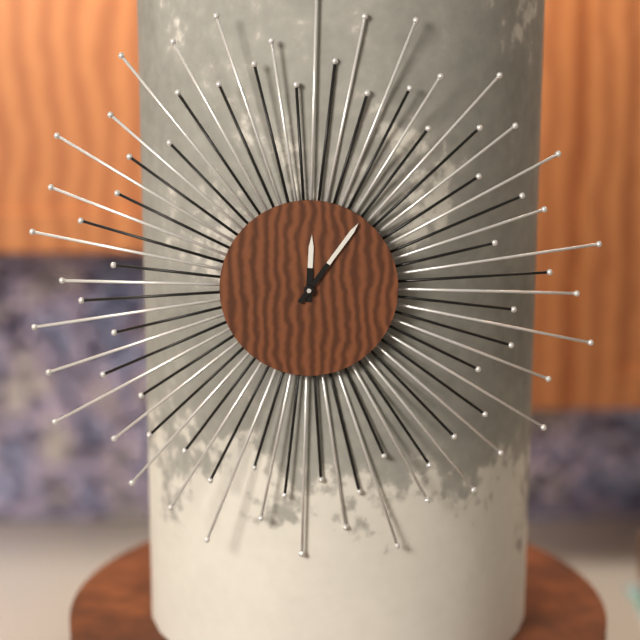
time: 12:06
